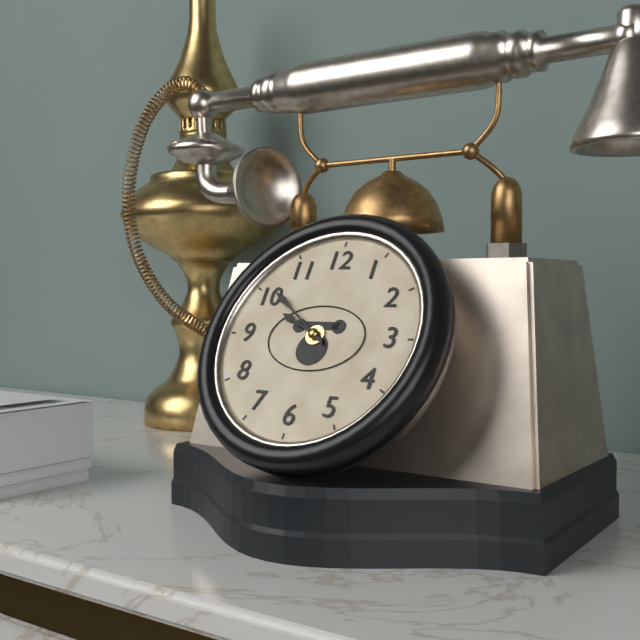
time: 9:51
